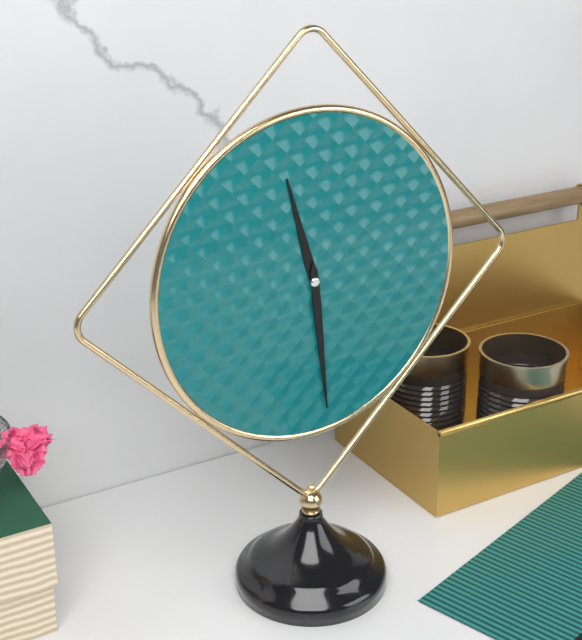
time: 11:29
